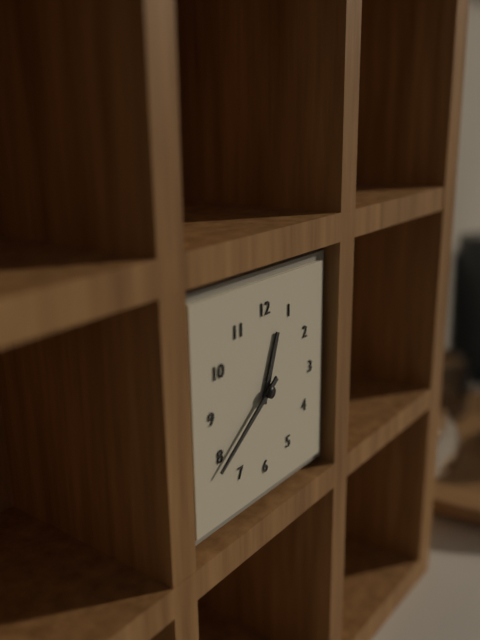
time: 12:39
